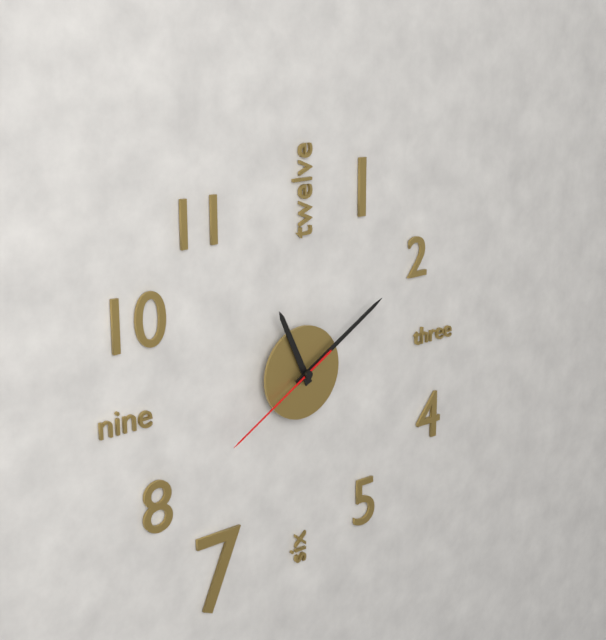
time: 11:10:40
